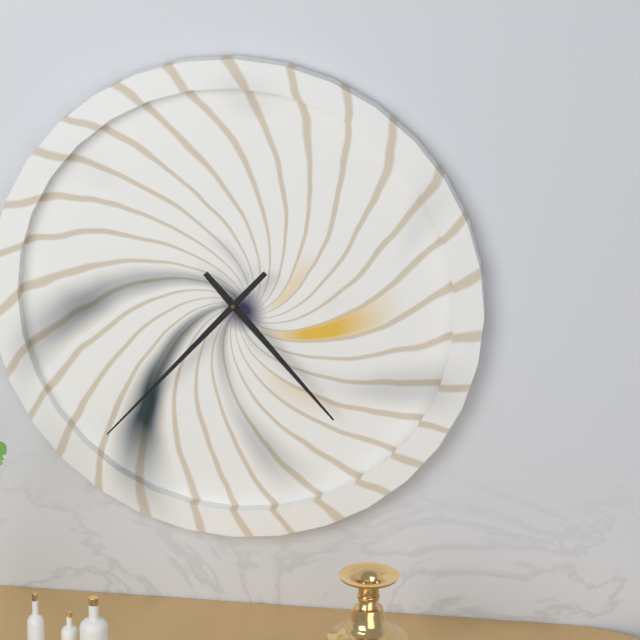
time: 4:37
